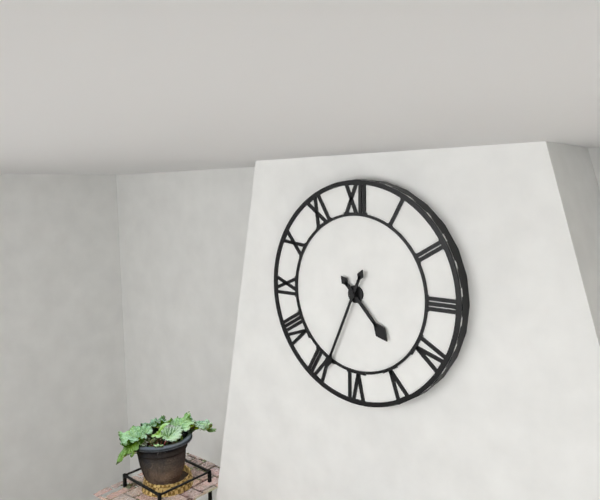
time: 4:34
